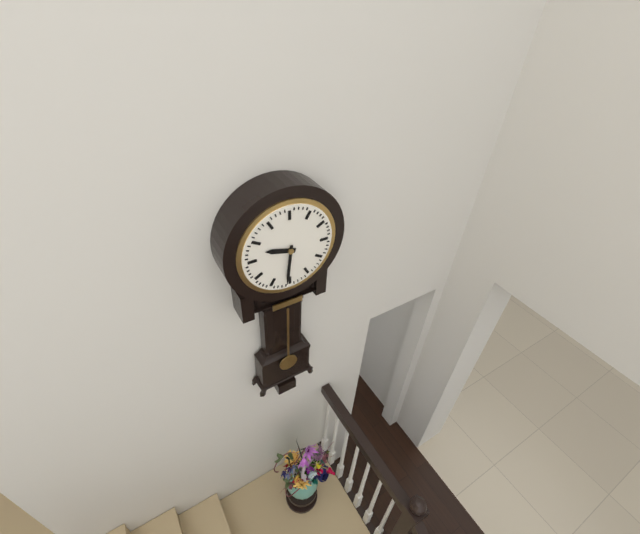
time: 9:31
